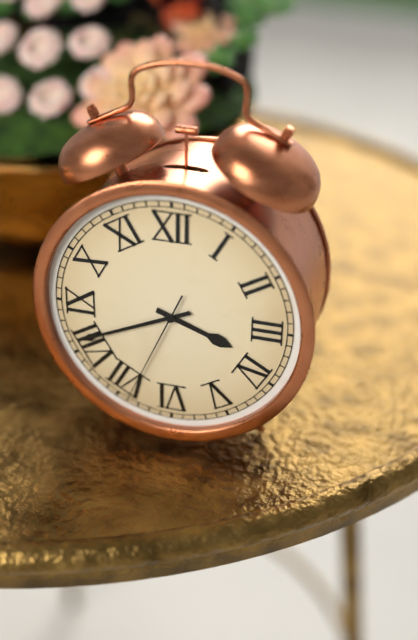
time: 3:41:34
